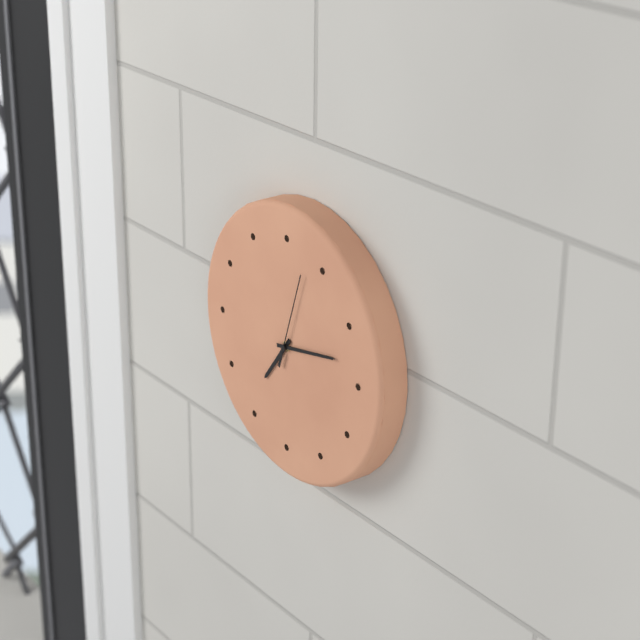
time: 7:13:03
